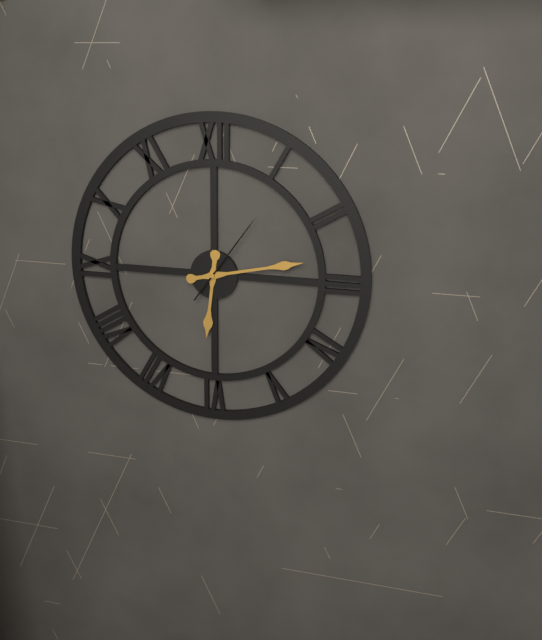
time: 6:13:06
